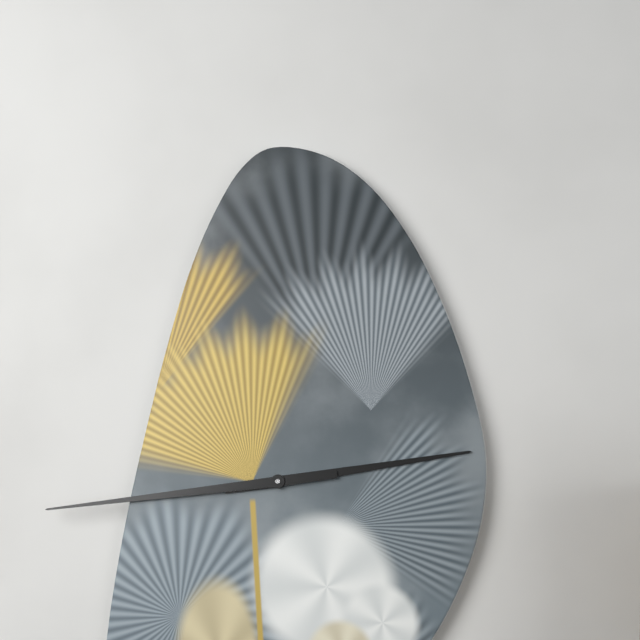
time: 2:44
